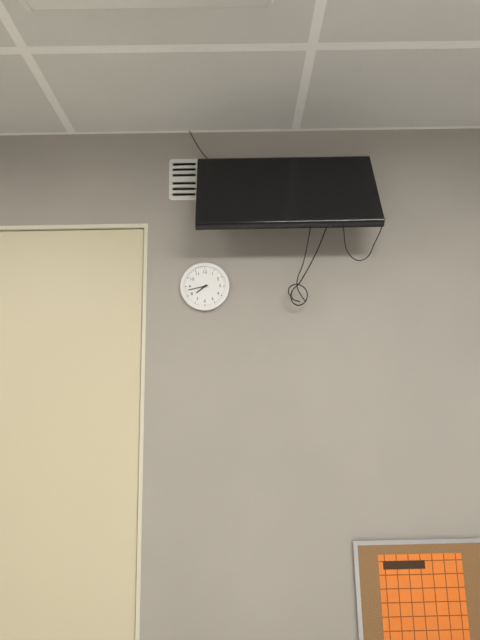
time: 7:43
